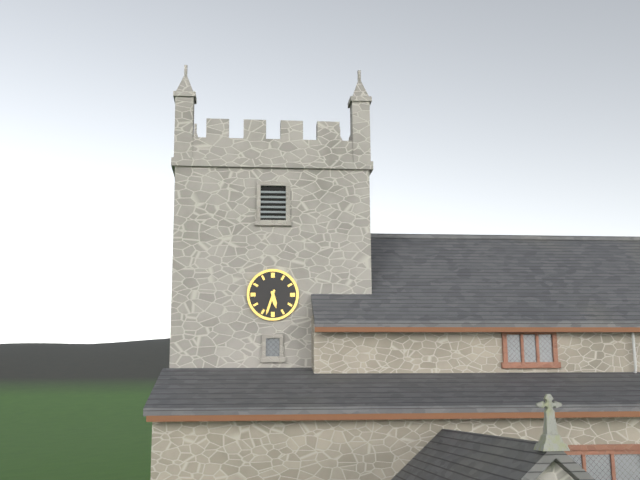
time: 5:33
